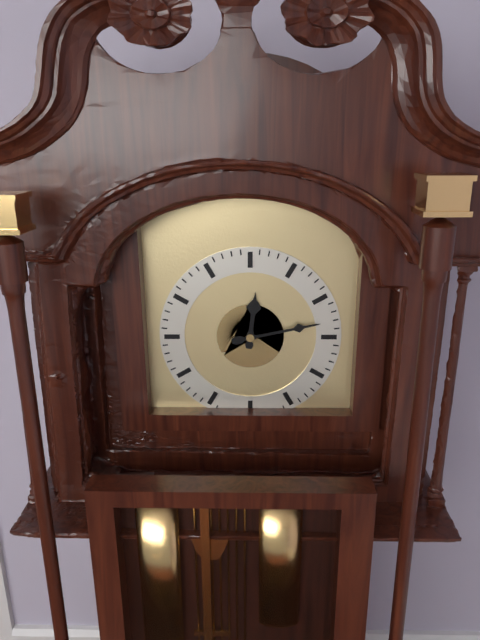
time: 12:13
